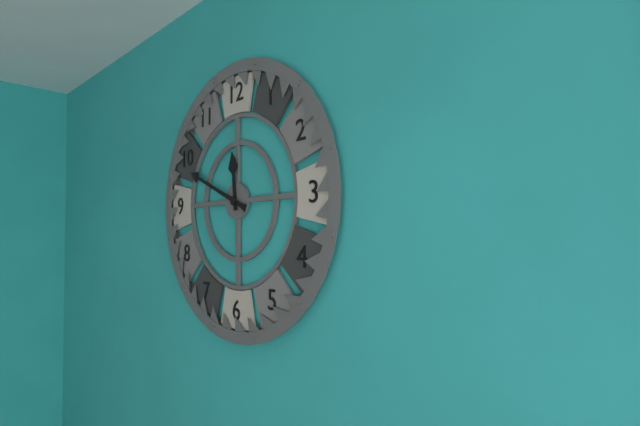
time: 11:49
